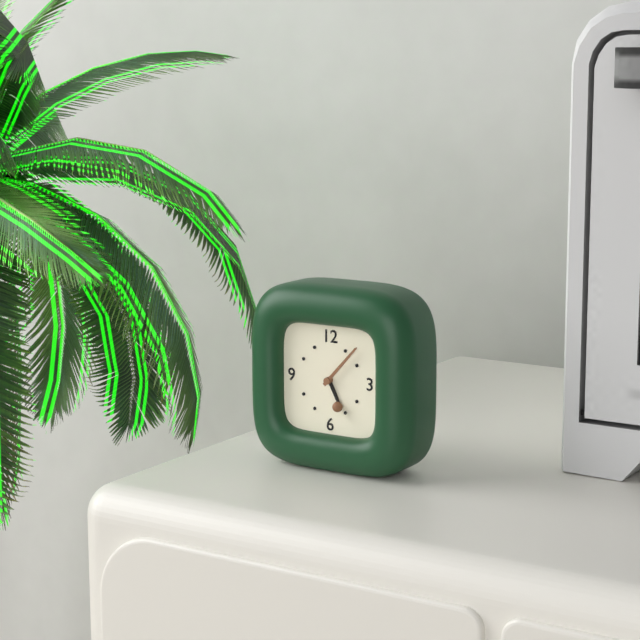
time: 5:07
